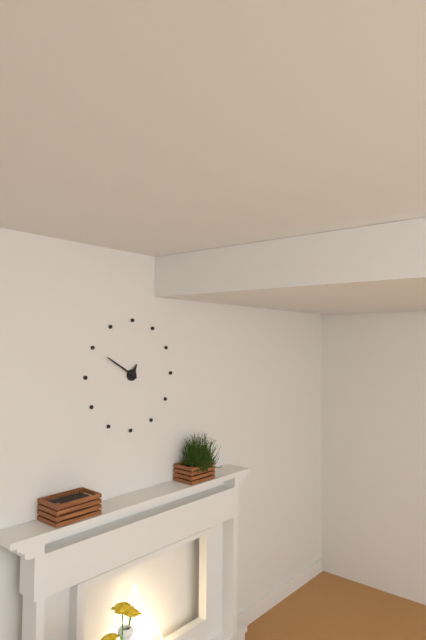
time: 12:50
